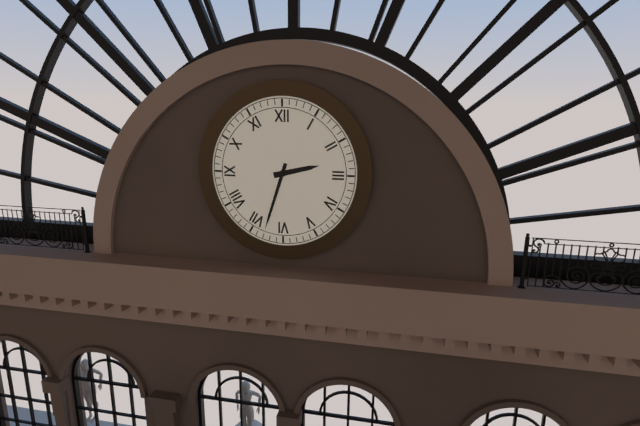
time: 2:33
